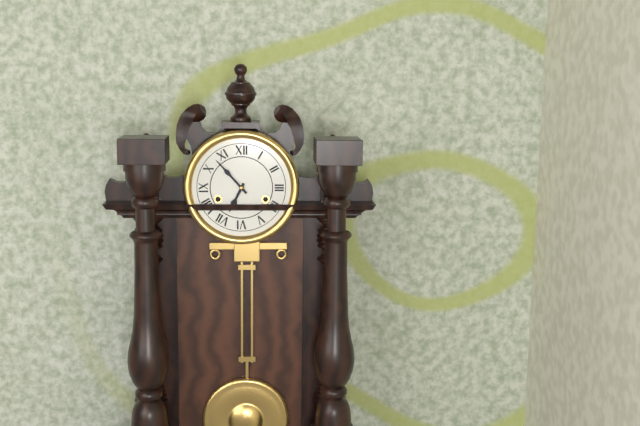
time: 6:53
